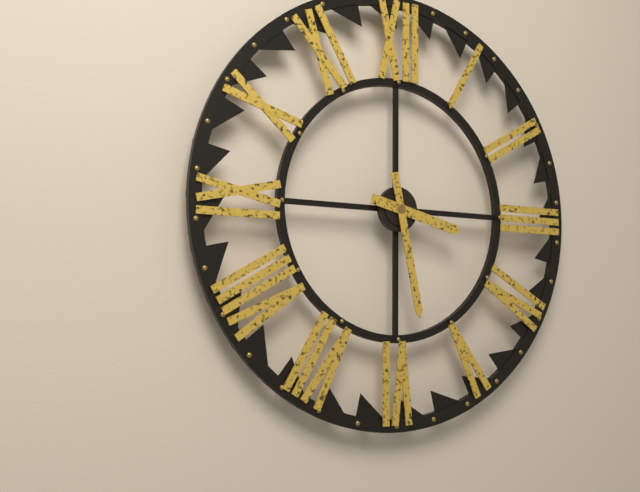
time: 3:28
